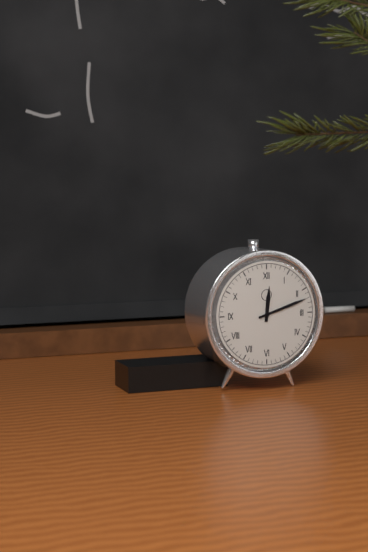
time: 12:12
